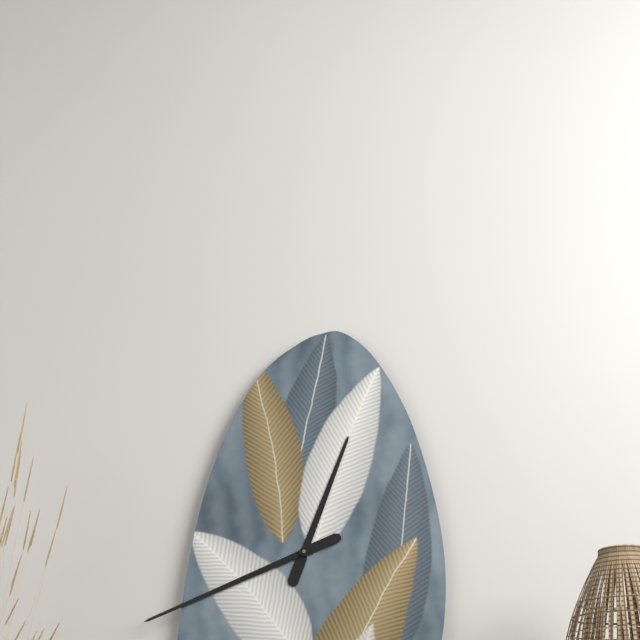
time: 12:41
